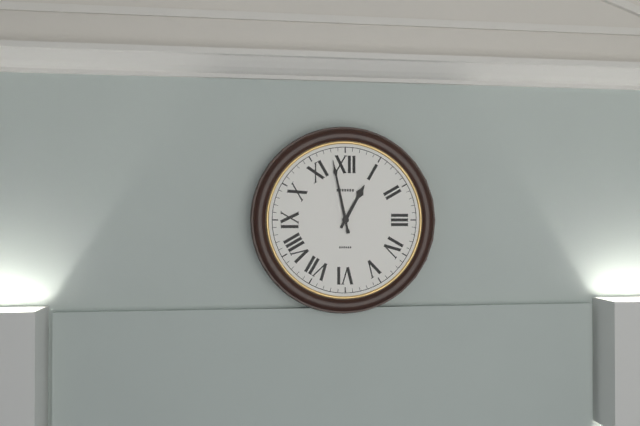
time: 12:58
